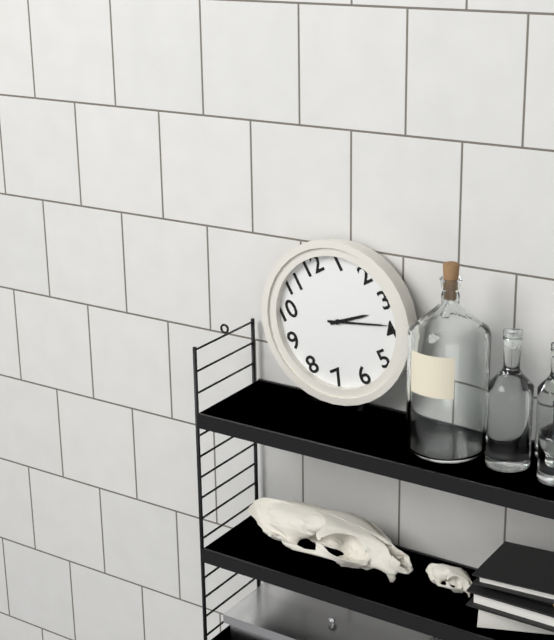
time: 3:19
